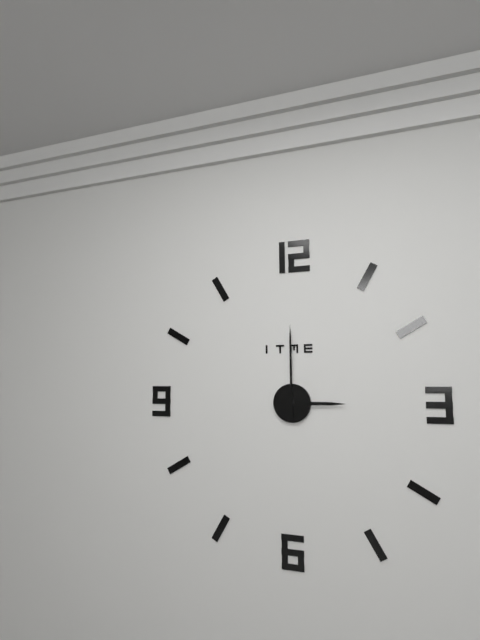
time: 3:00
